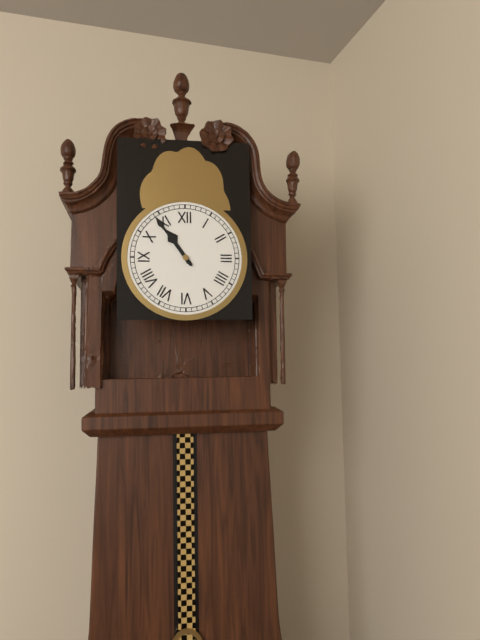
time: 10:54
